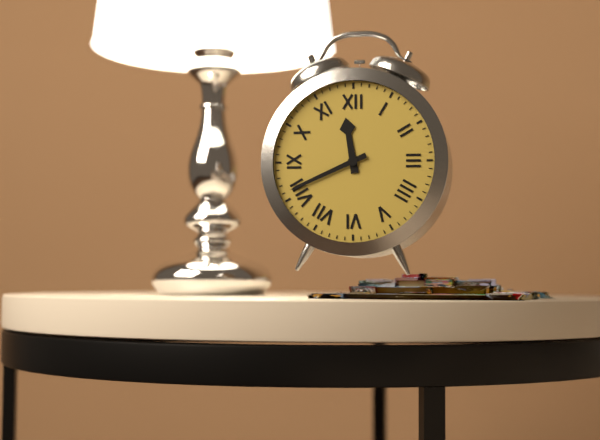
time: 11:41
